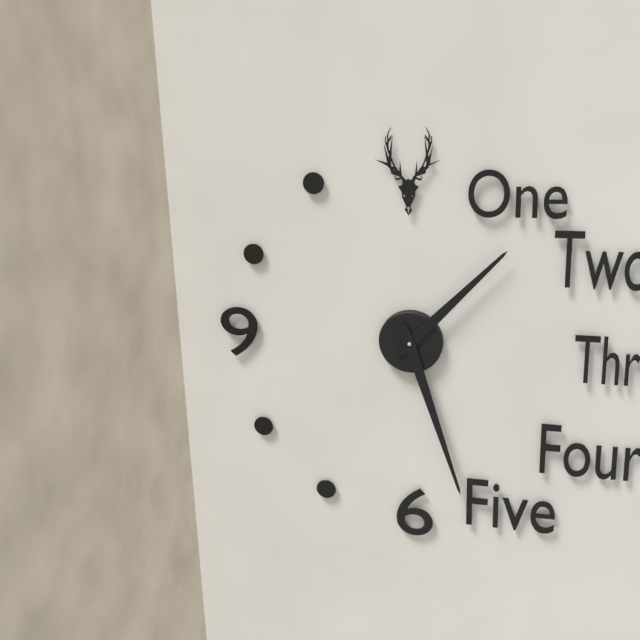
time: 1:27
